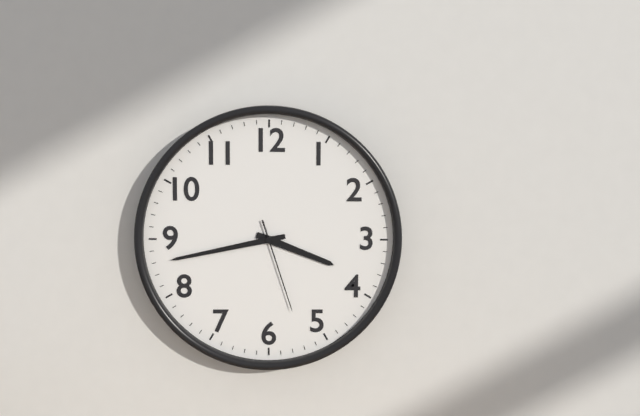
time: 3:43:27
